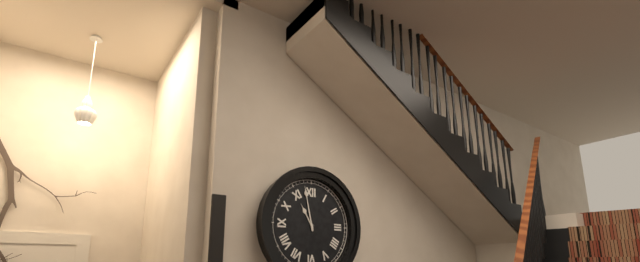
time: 10:58
